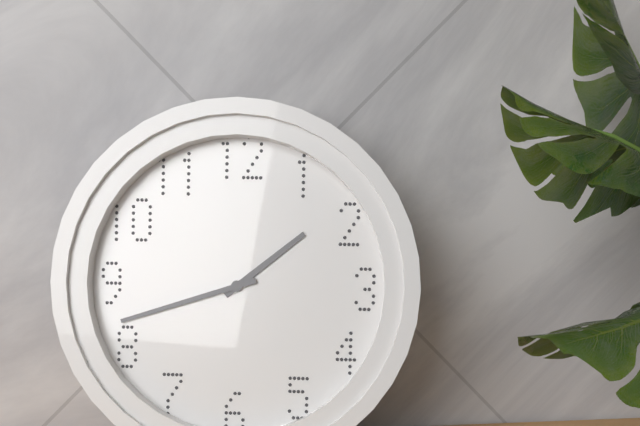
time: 1:42
